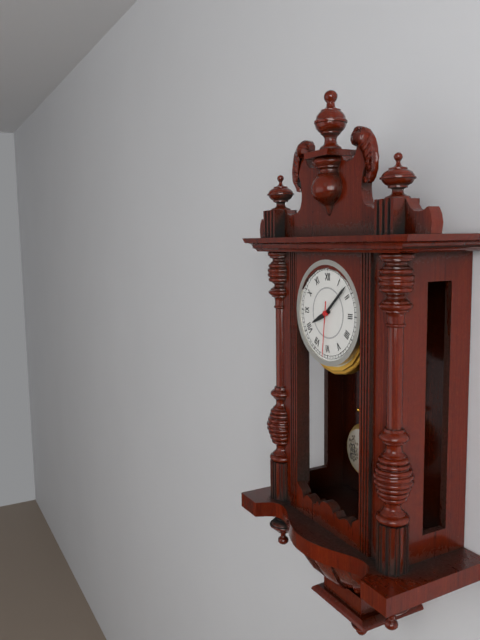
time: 8:08:31
